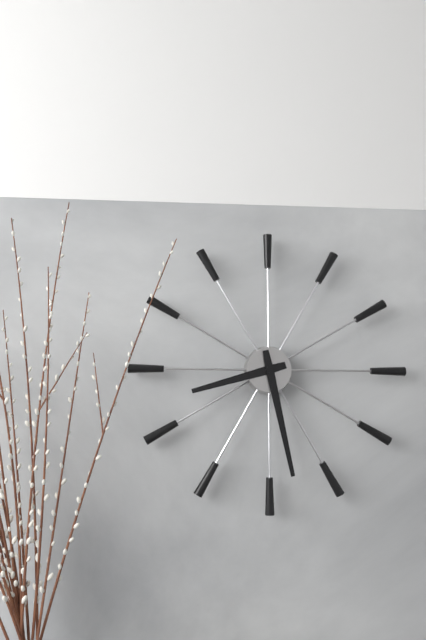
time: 8:28
